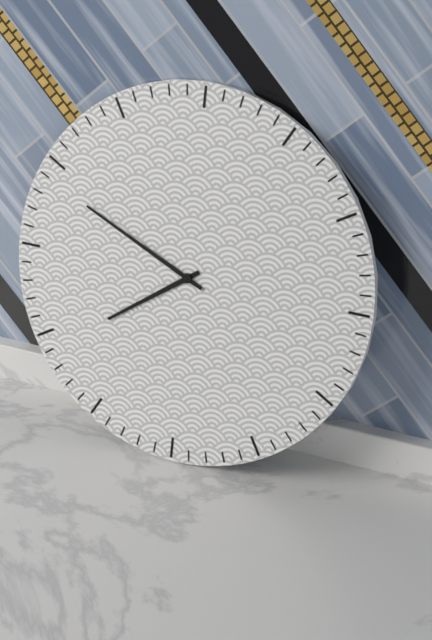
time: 7:49
